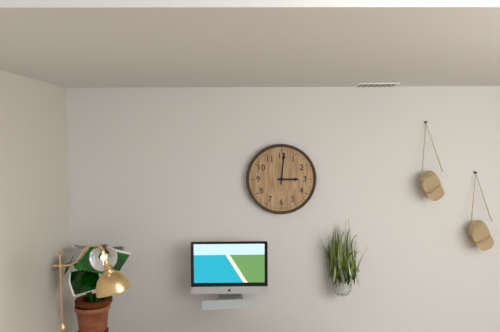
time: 3:01
